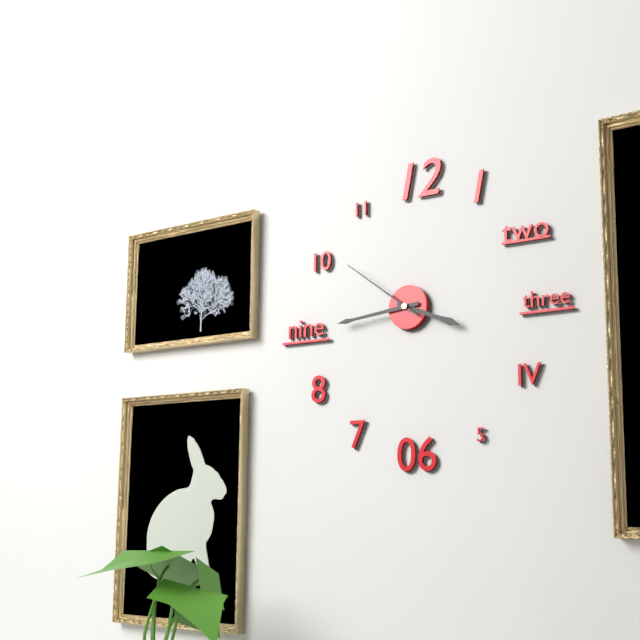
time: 3:44:51
